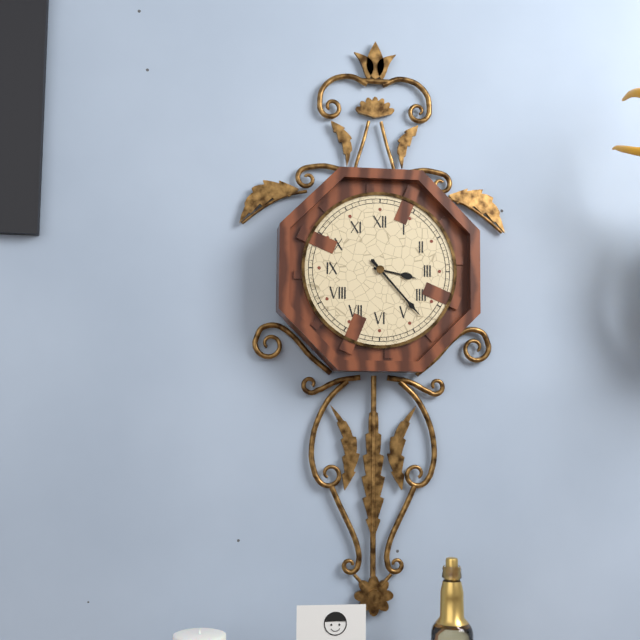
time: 3:23
